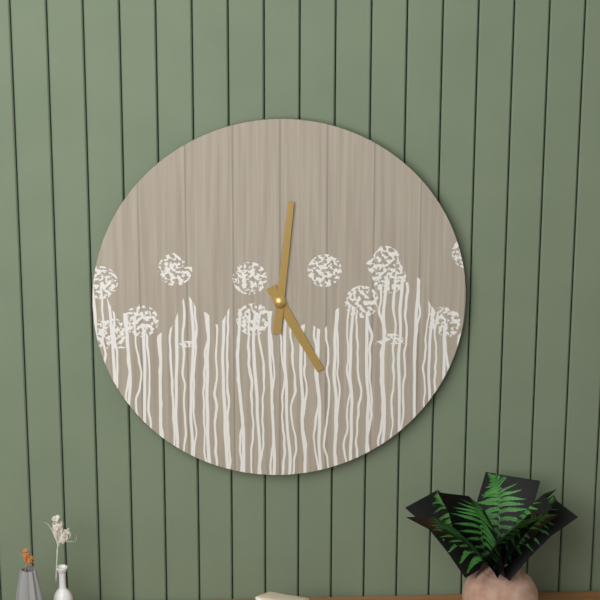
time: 5:01
